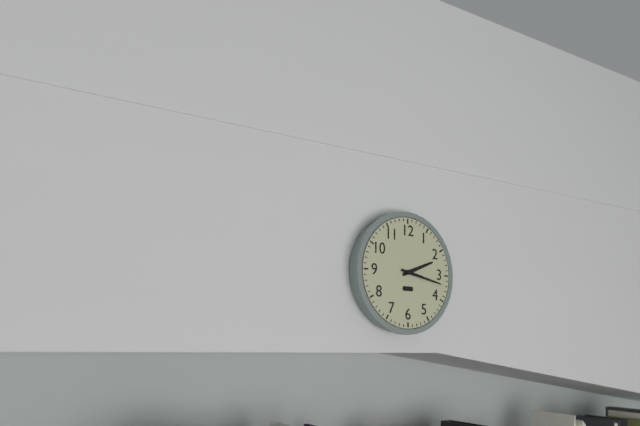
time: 2:17
